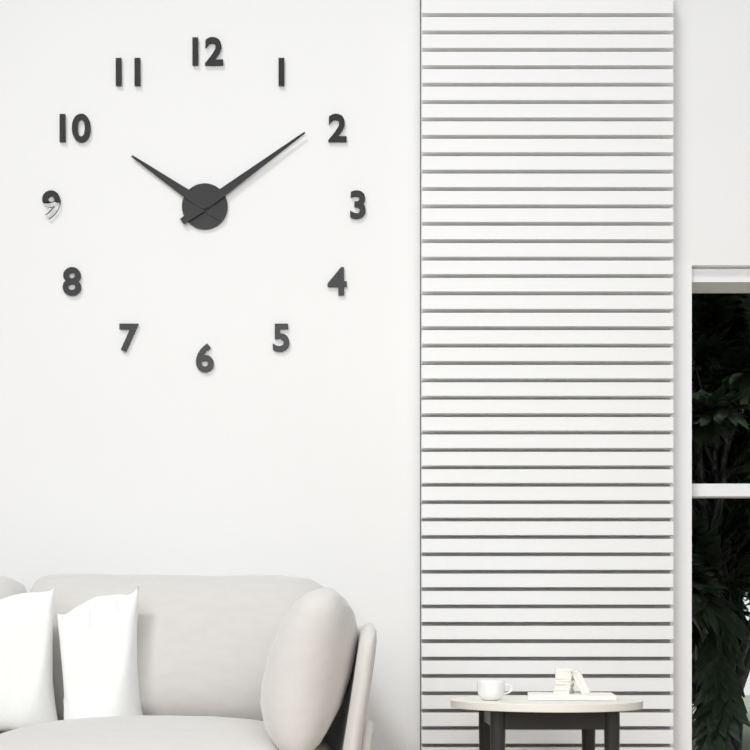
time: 10:09
